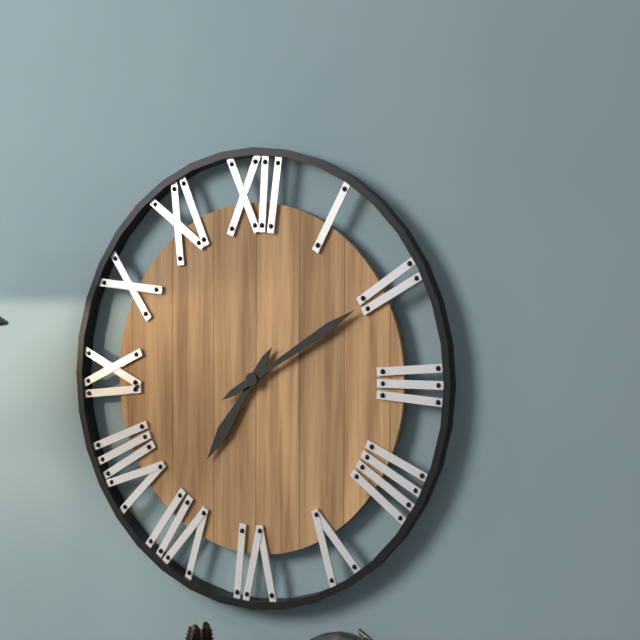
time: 7:10
